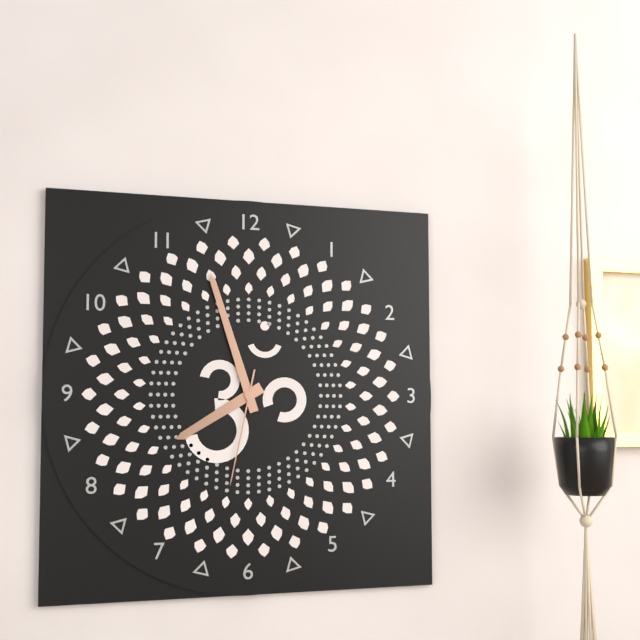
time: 7:57:32
